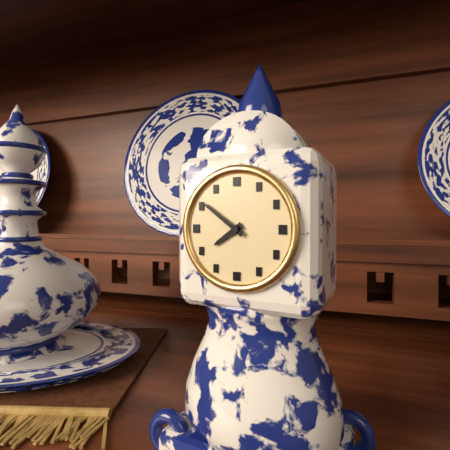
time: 7:51
